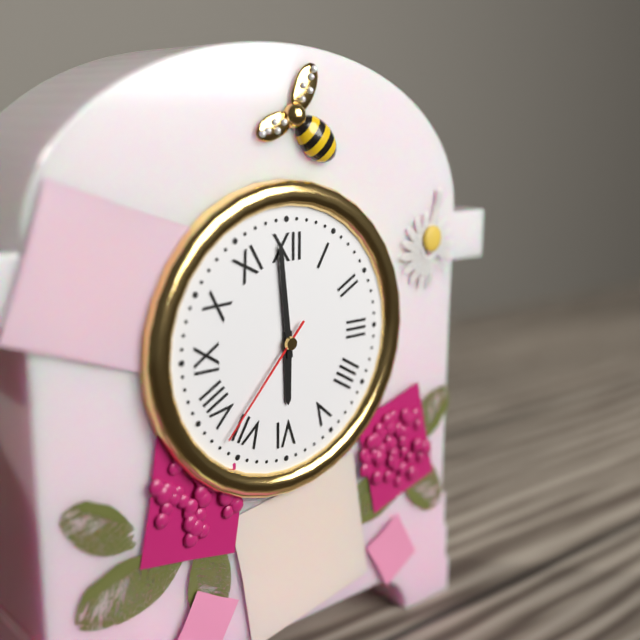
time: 5:59:37
